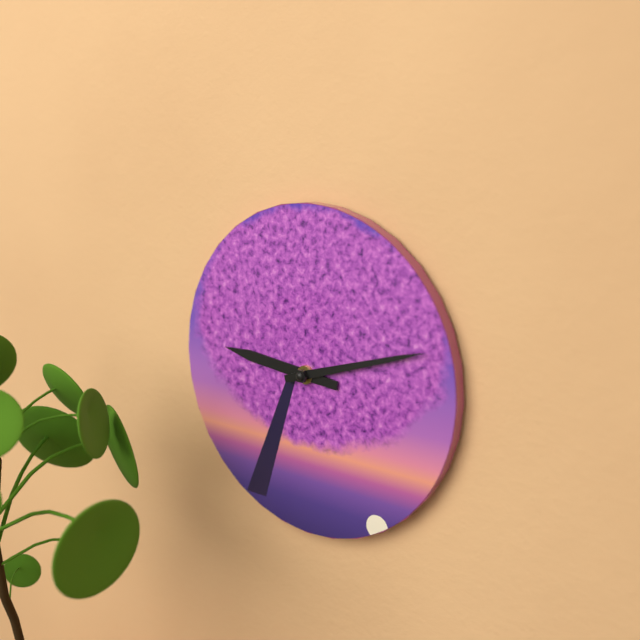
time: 9:12
